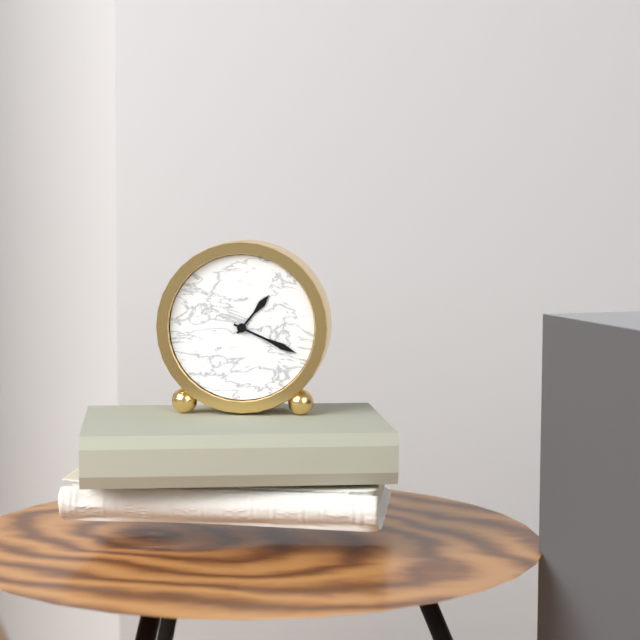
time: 1:19
